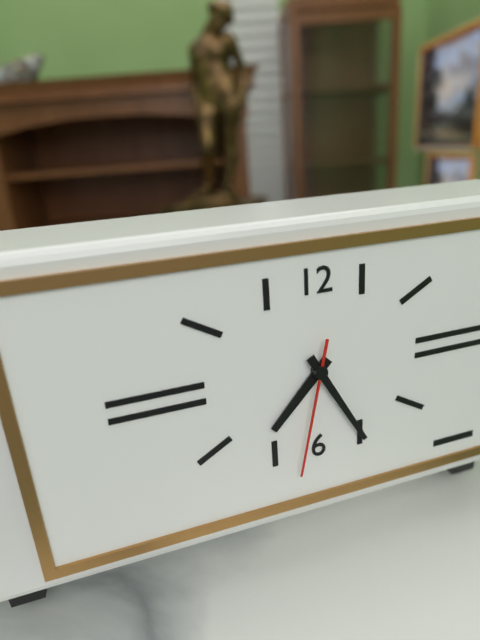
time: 7:25:32
